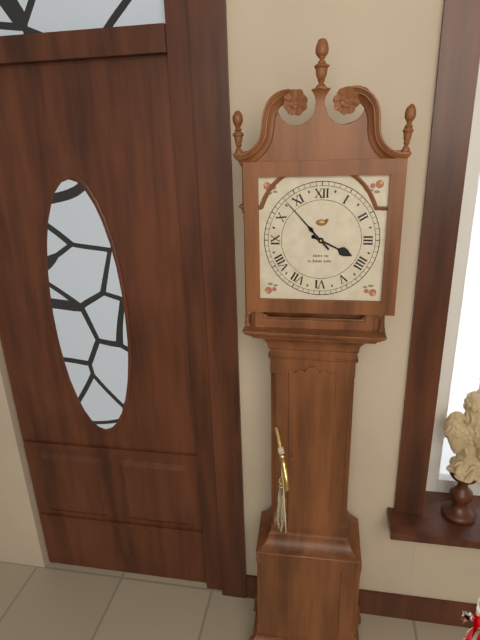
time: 3:53
